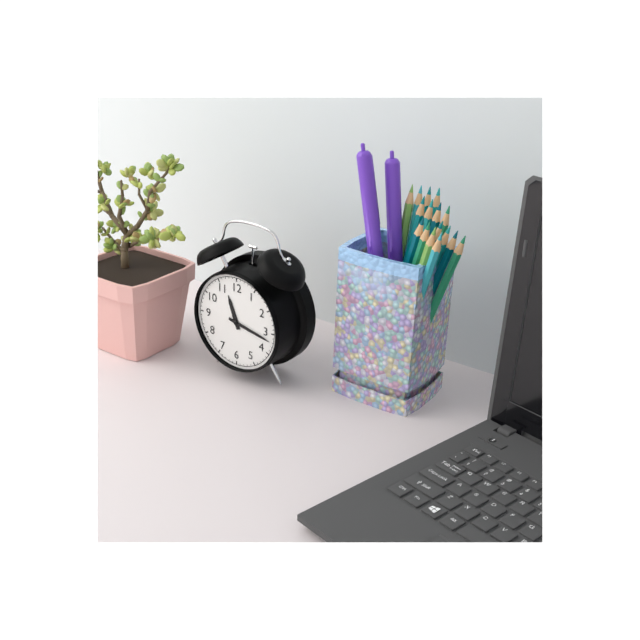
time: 11:17
